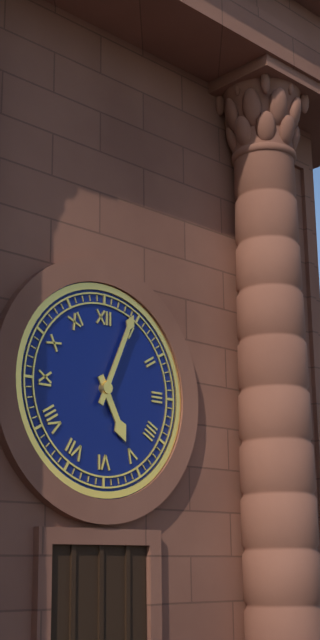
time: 5:04
